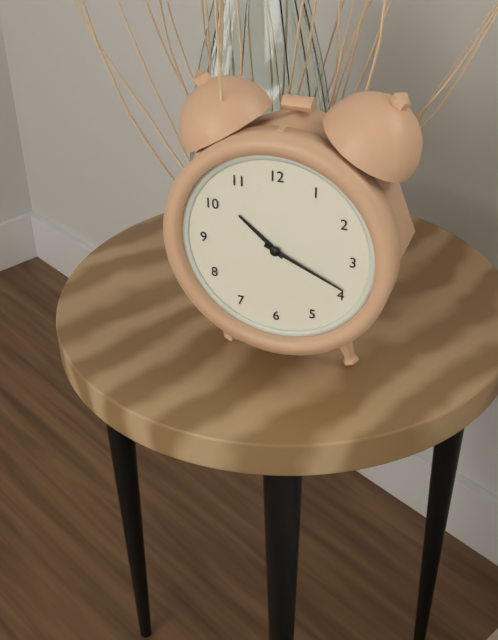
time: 10:19
